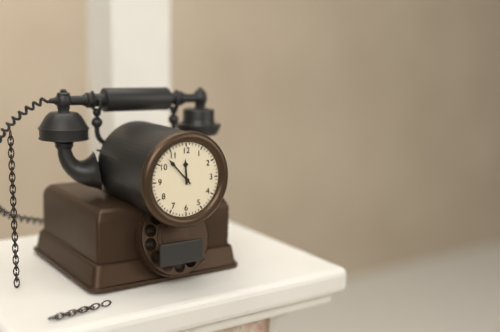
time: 11:53
